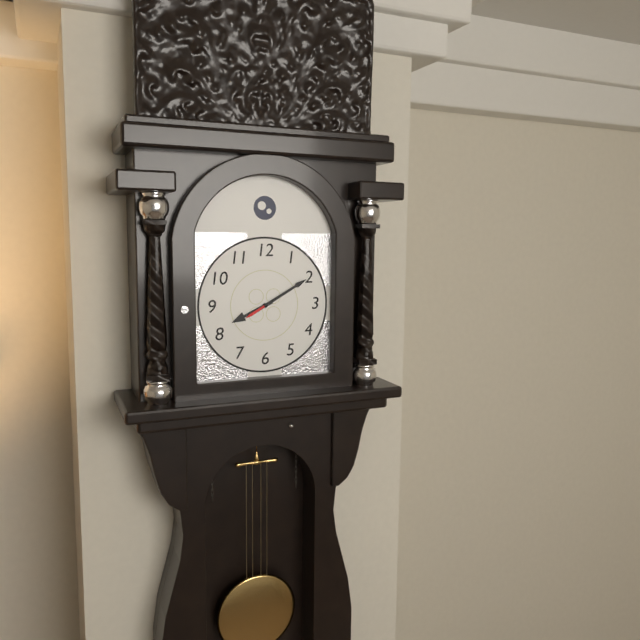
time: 8:10:10
